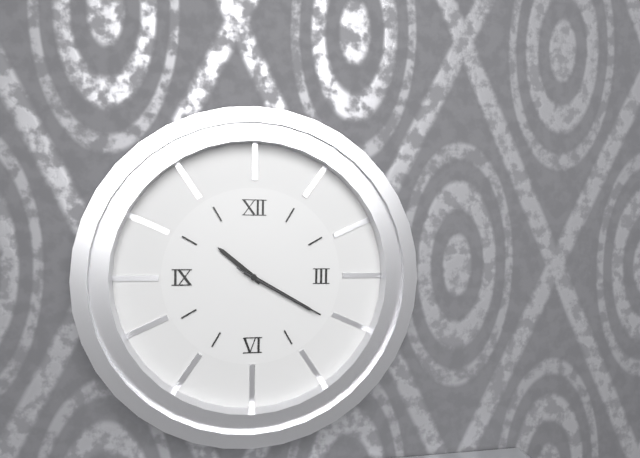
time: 10:20:20
